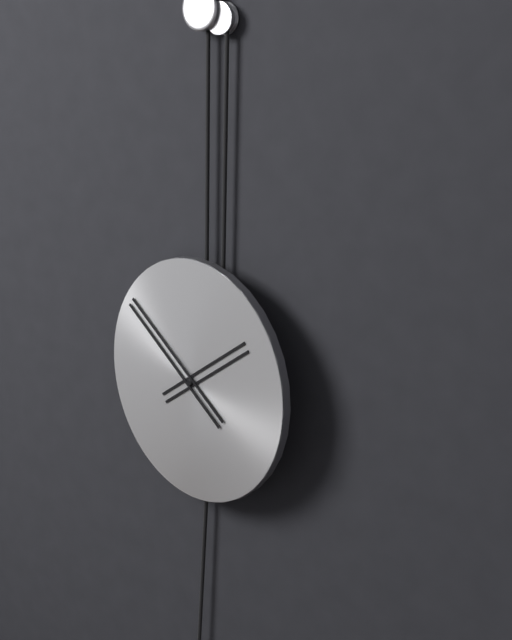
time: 1:51
